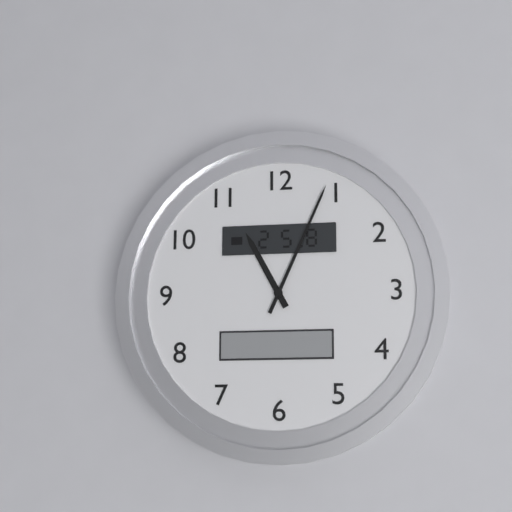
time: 11:04
